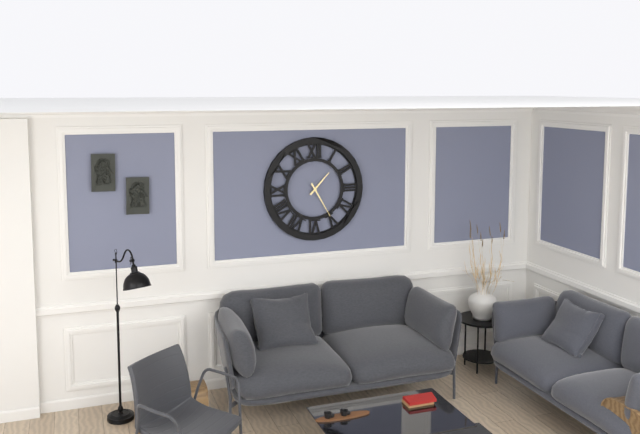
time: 1:25
